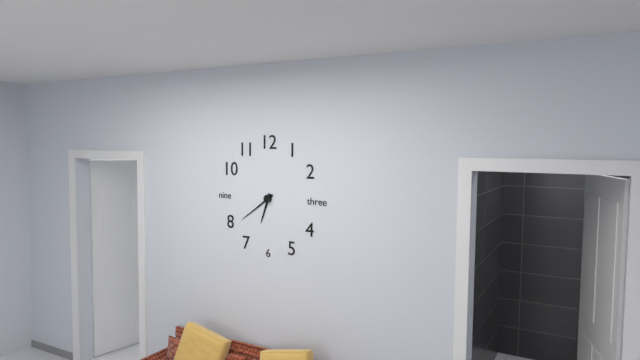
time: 6:39
